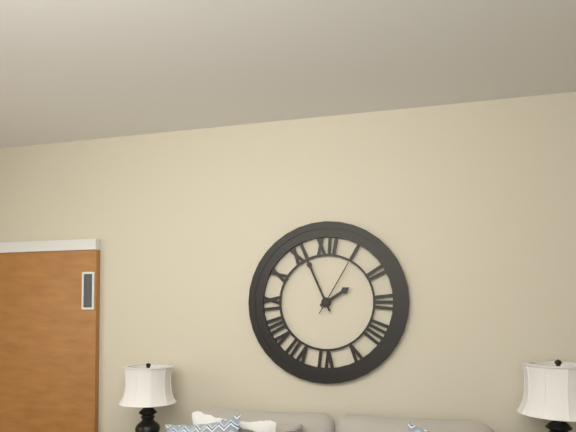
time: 1:56:05
